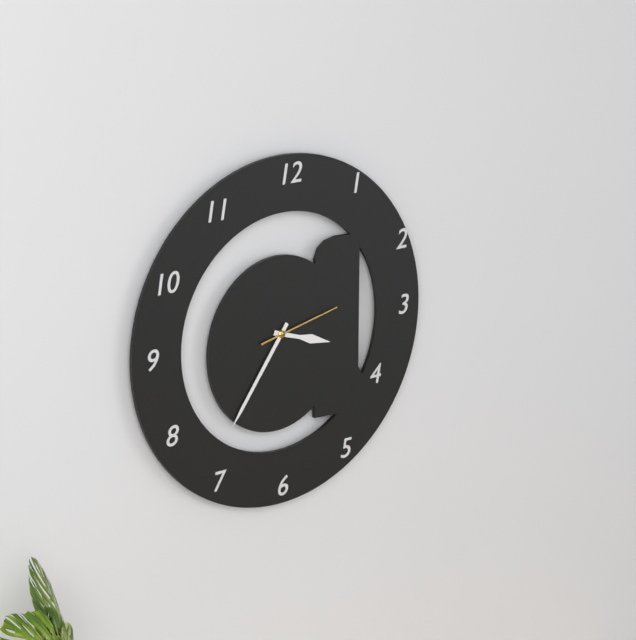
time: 3:36:13
